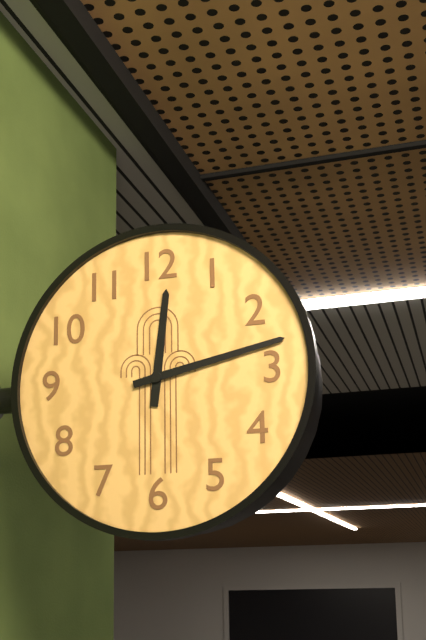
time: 12:13
